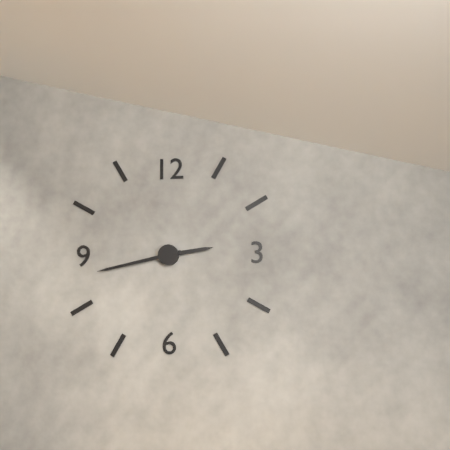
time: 2:43
